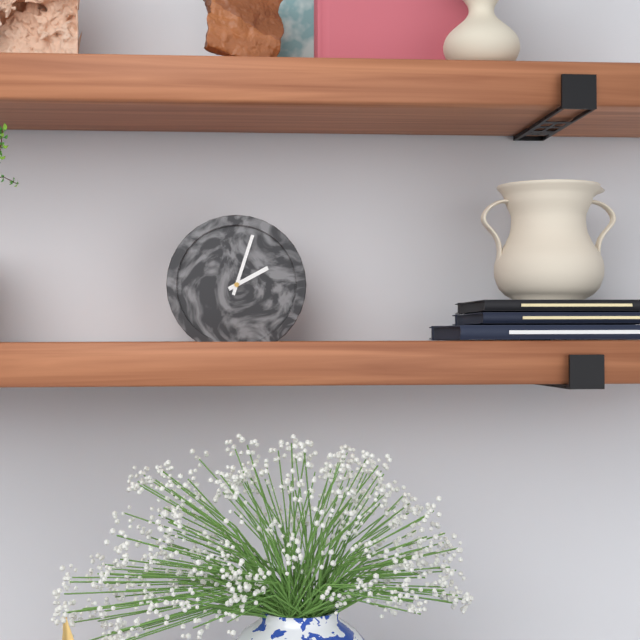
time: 2:03
